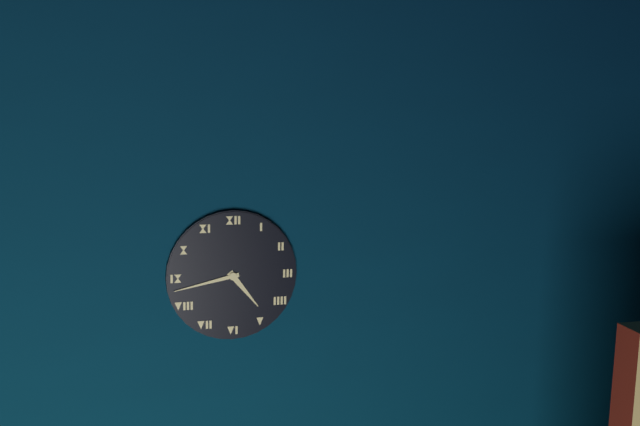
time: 4:43
